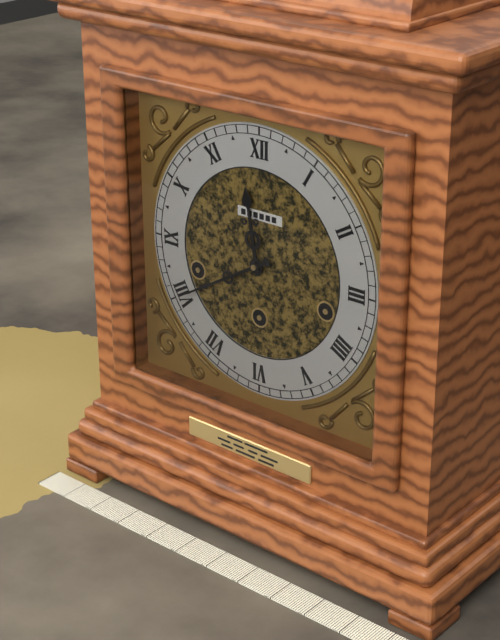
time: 11:40
